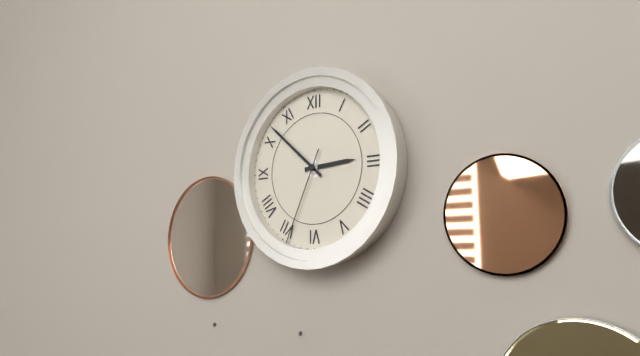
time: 2:52:34
